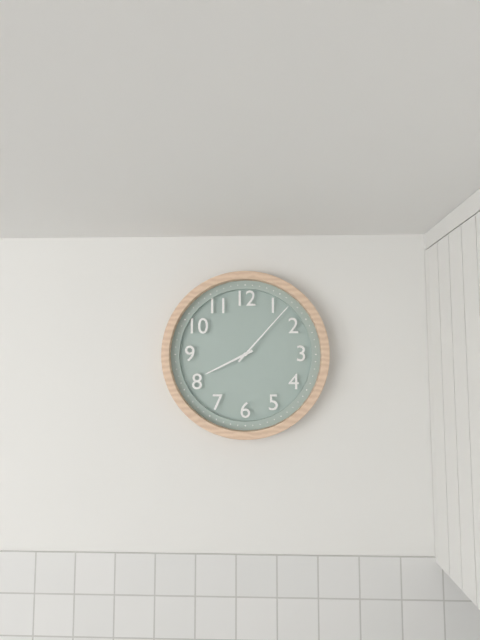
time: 8:07
